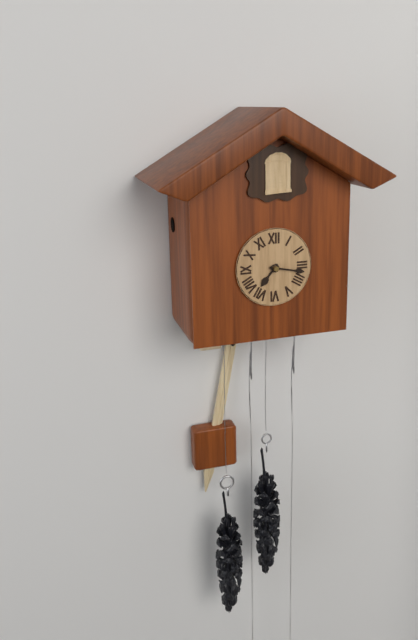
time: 7:17
